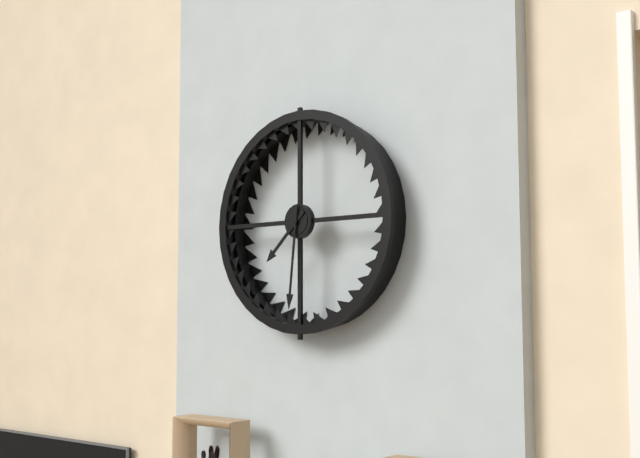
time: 7:31
